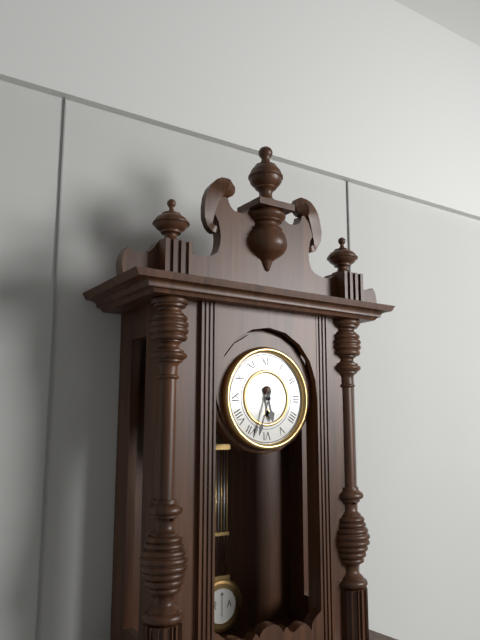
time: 5:33
